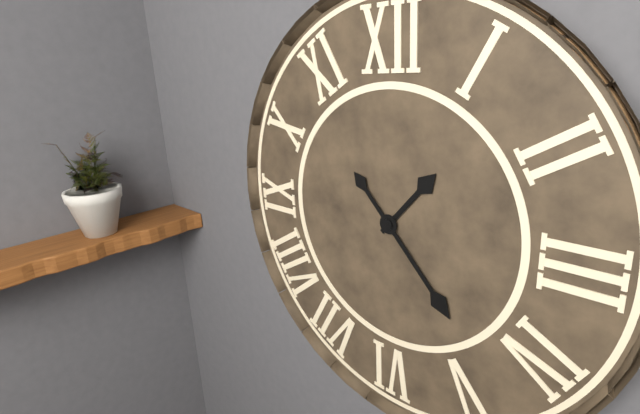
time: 1:23
